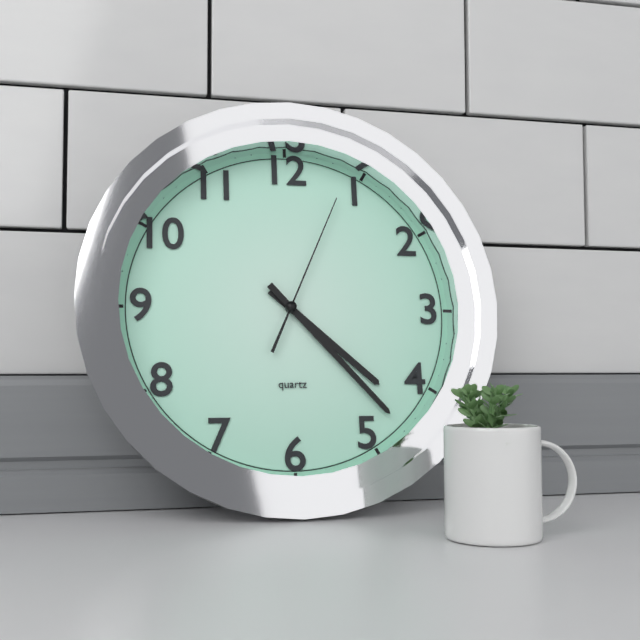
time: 4:23:04
